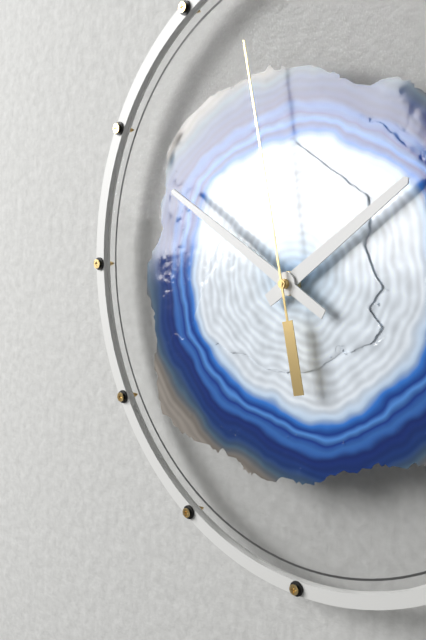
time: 1:50:58
